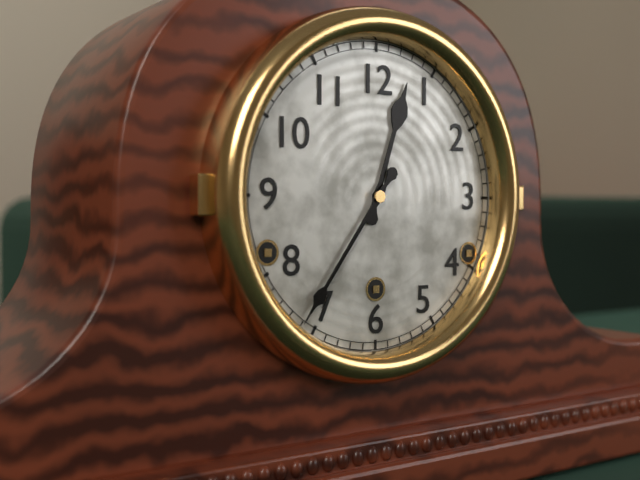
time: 12:36
